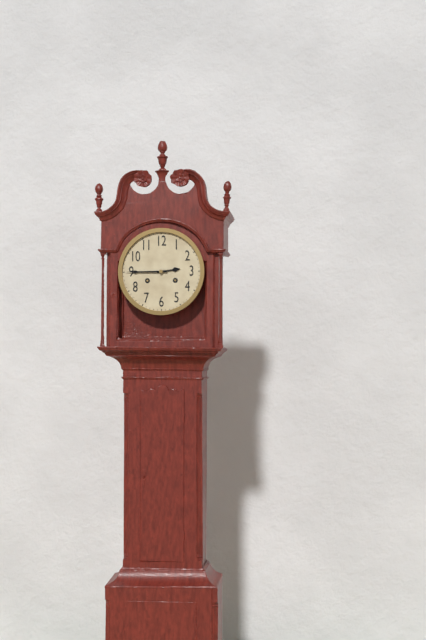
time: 2:45
